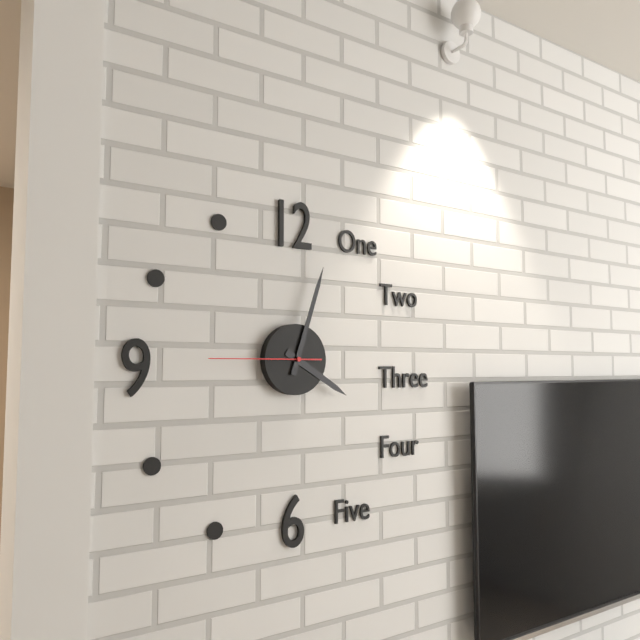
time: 4:03:45
